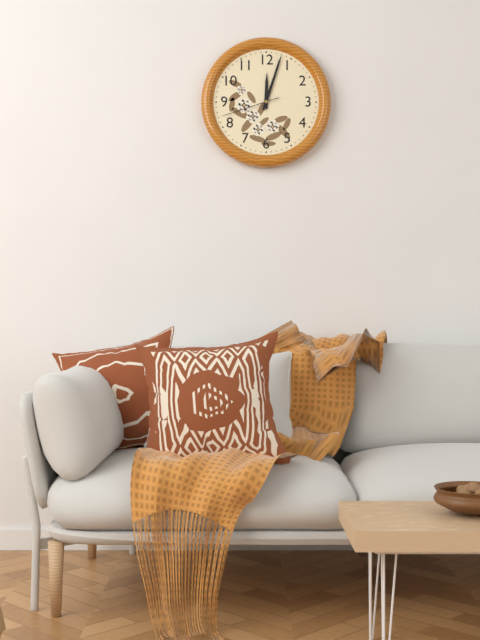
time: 12:03:42
